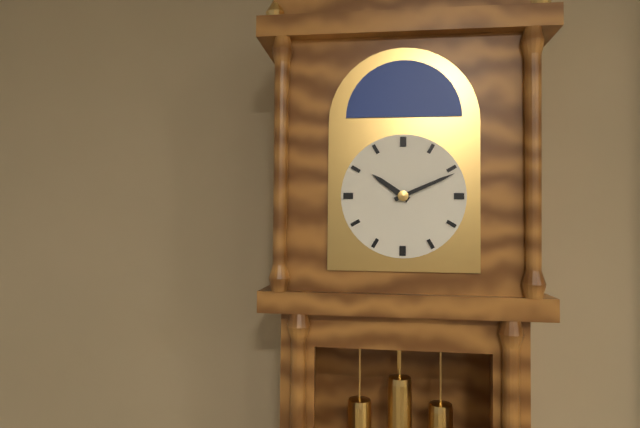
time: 10:11
